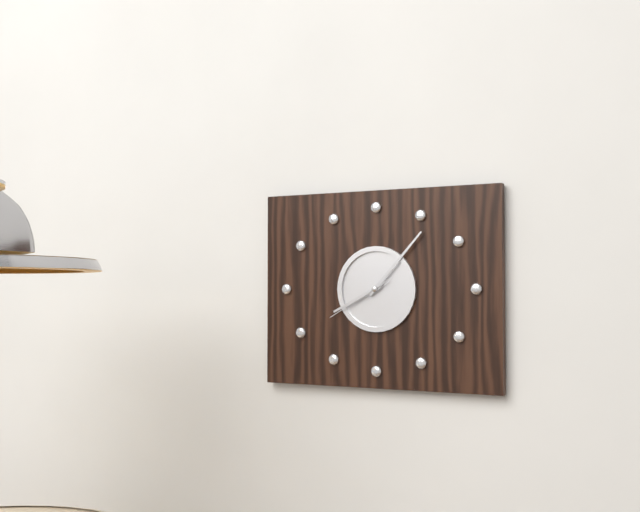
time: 8:07:40
